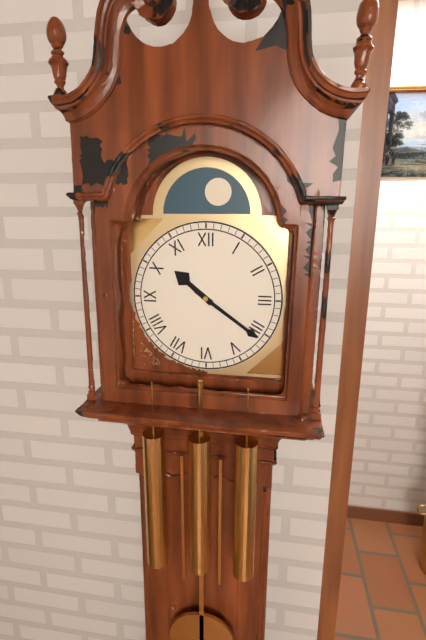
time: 10:21
